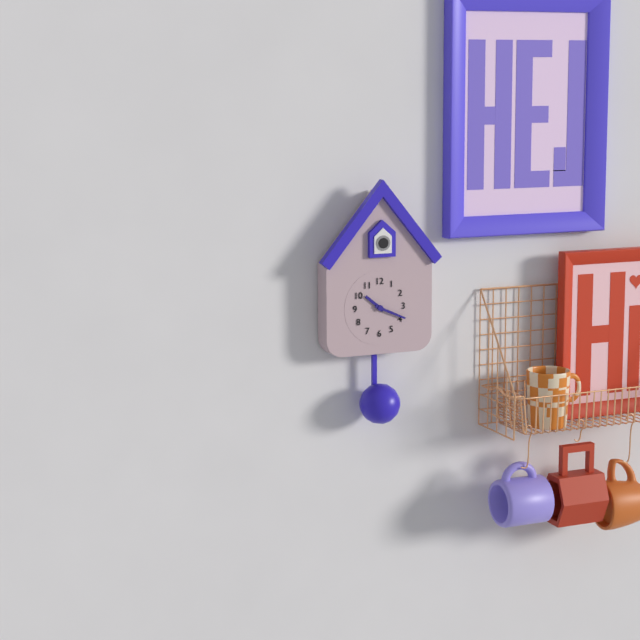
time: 10:19
